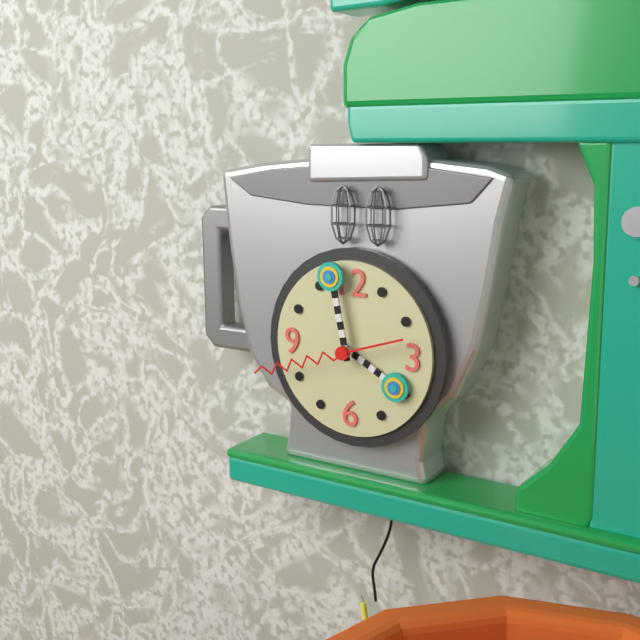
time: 3:58:42
